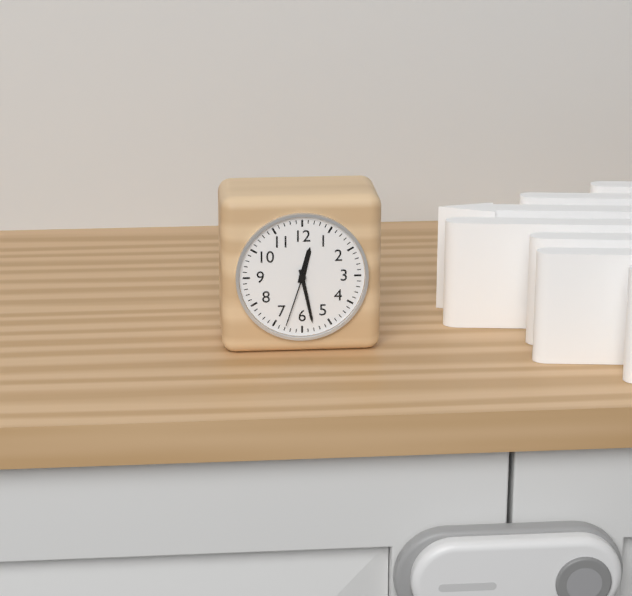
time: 12:28:33
